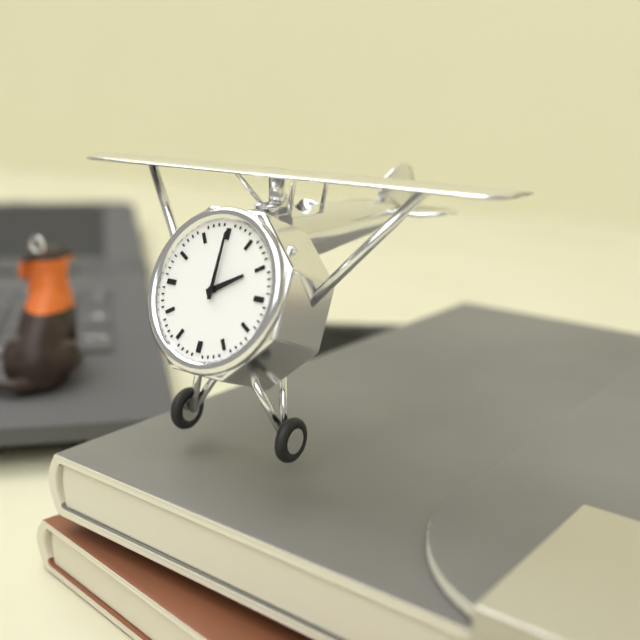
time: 2:00
